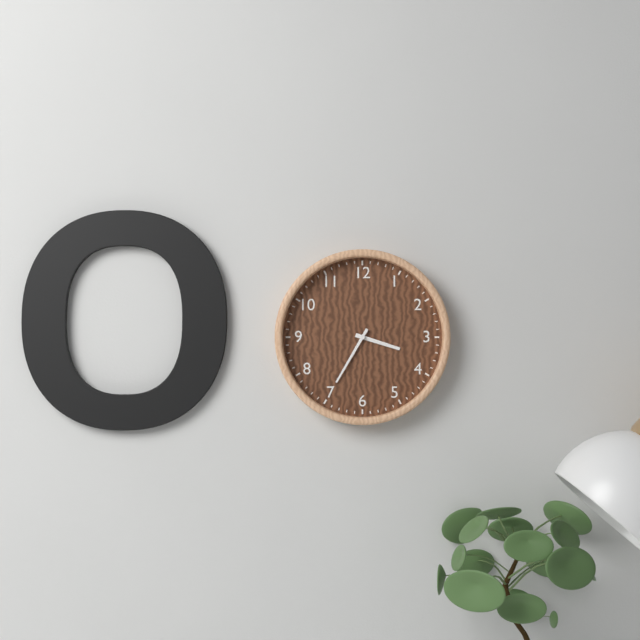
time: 3:35
